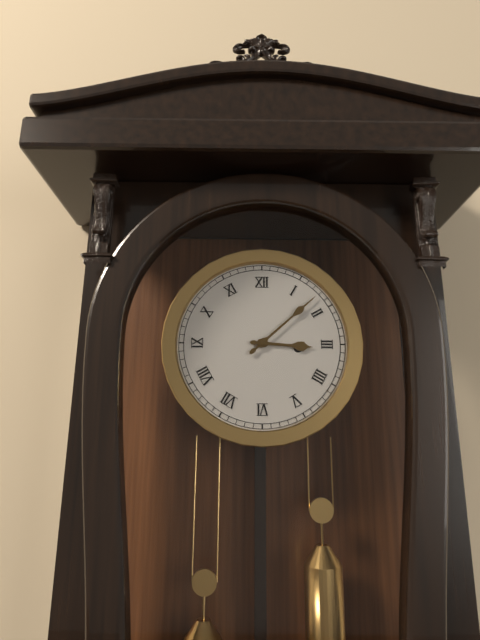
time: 3:08
